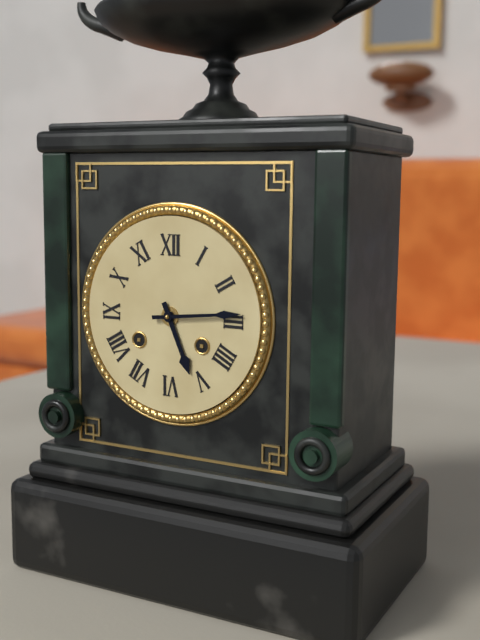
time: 5:14
